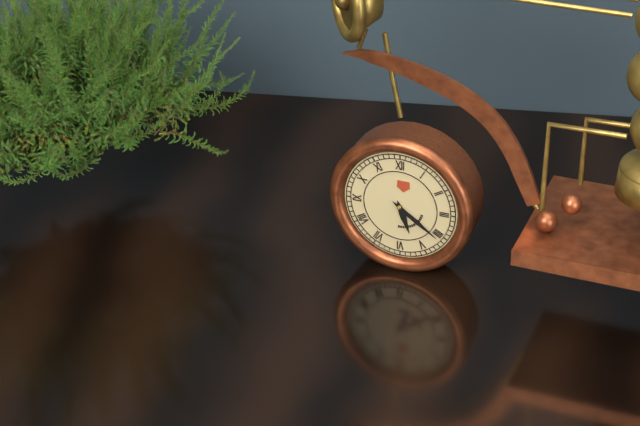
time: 5:21
